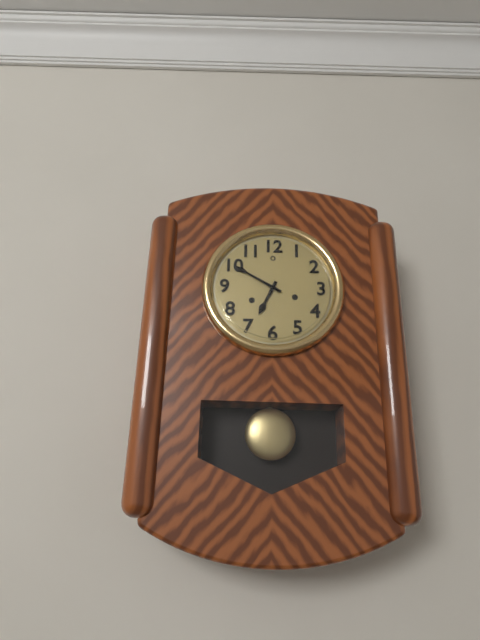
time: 6:50
